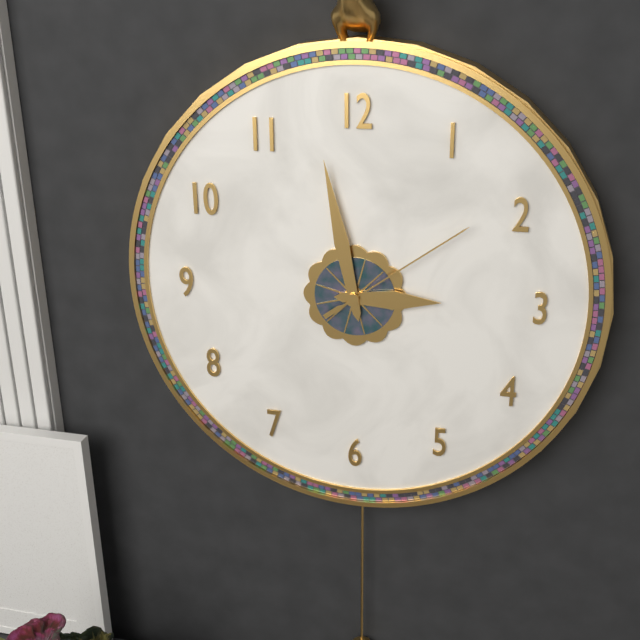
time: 2:58:09
